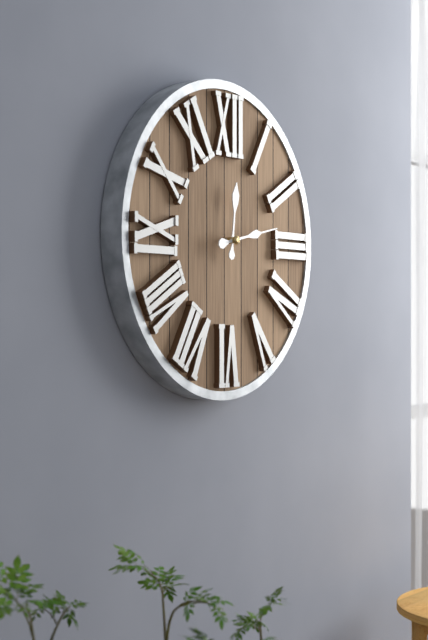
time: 12:13
